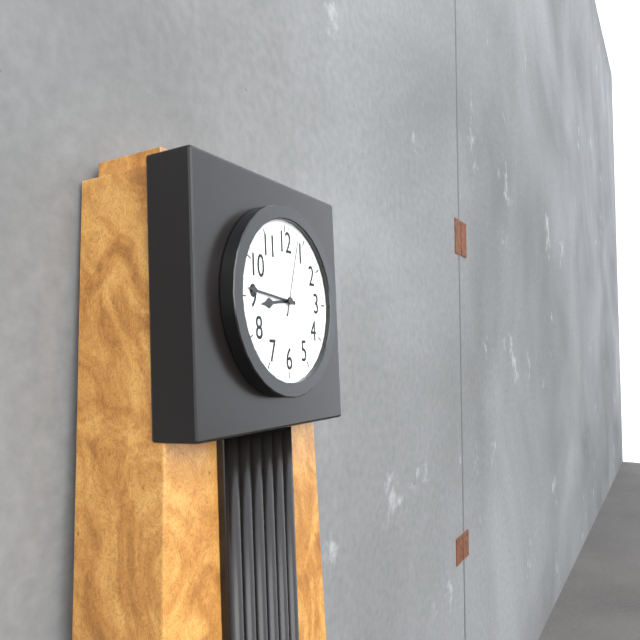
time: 8:46:03
